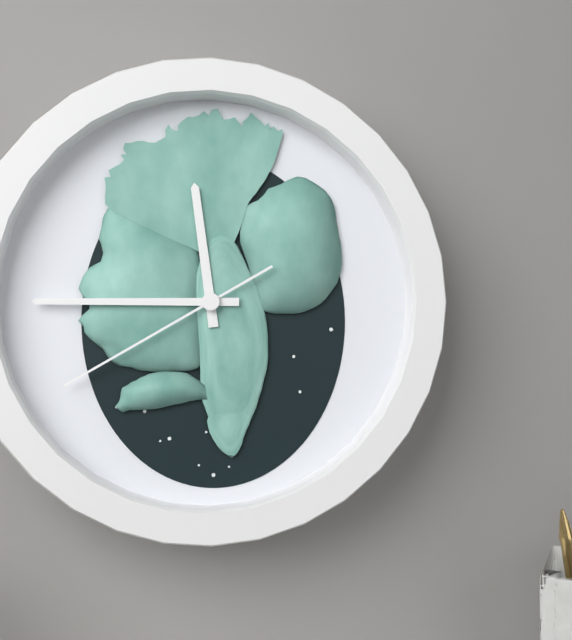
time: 11:45:40
